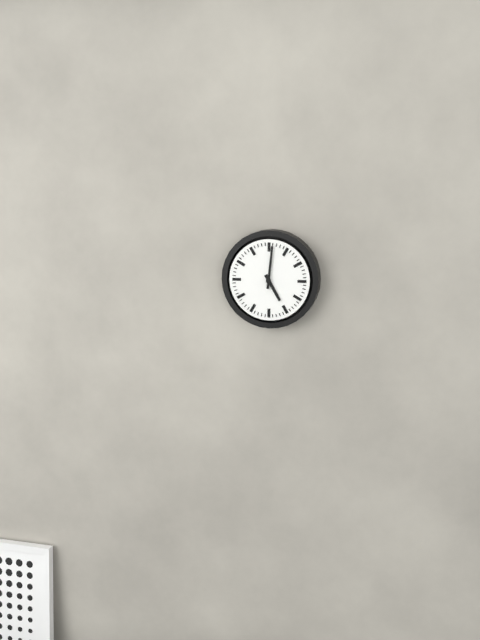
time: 5:01
